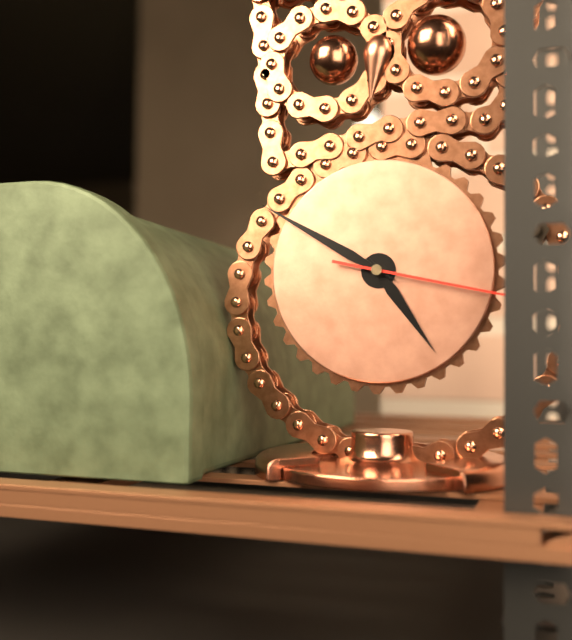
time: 4:50:17
